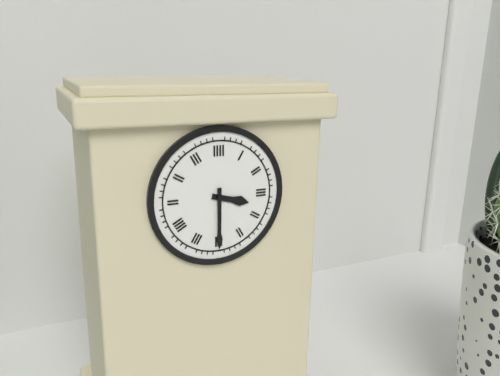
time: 3:30
